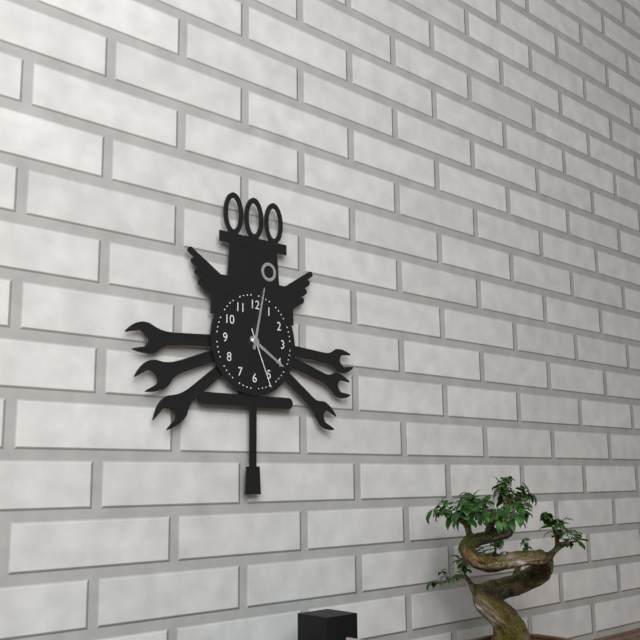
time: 4:02:26
